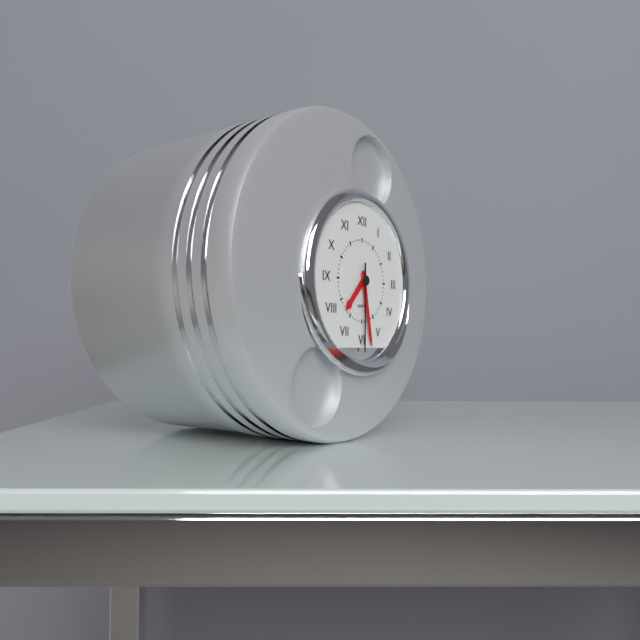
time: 7:28:30
